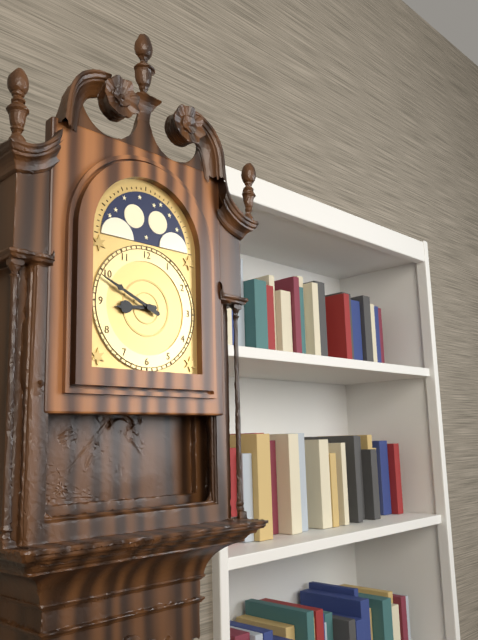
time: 8:49
